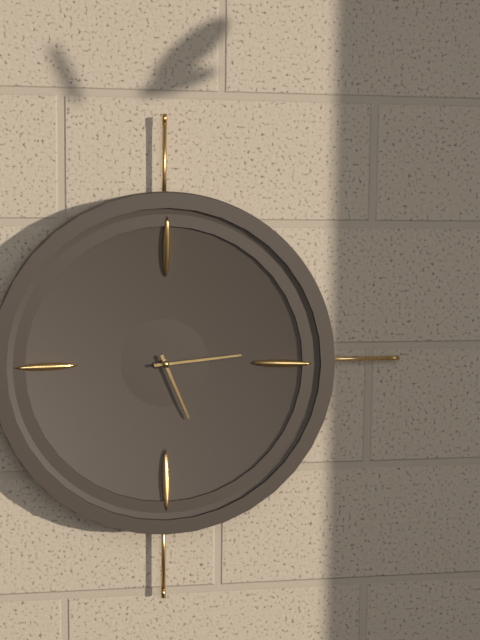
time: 5:14
